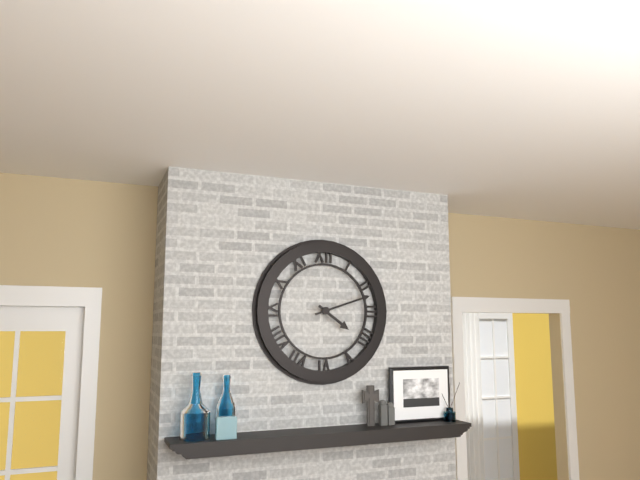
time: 4:12
